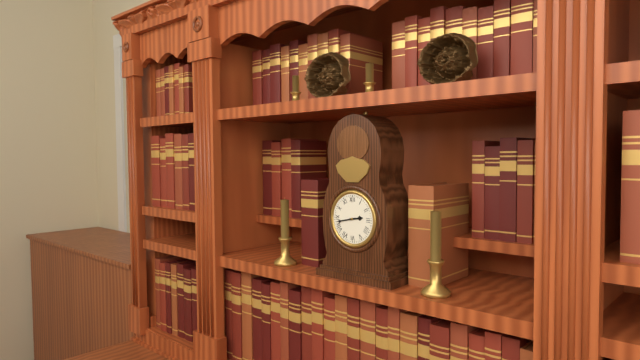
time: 2:43
